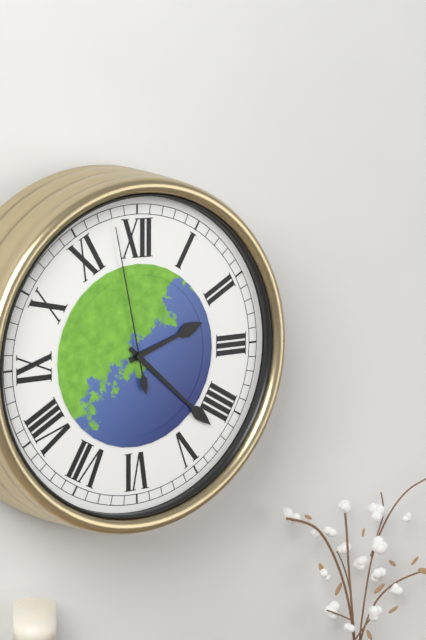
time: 2:22:58
